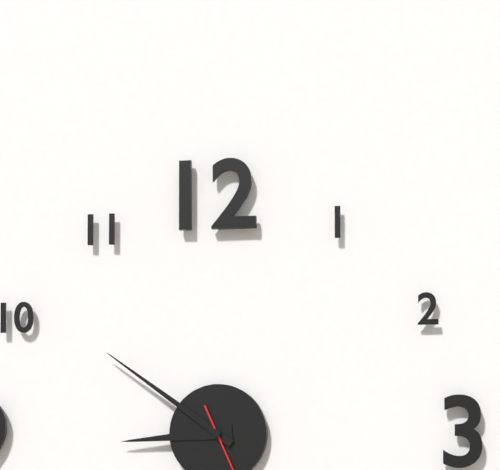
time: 8:51
